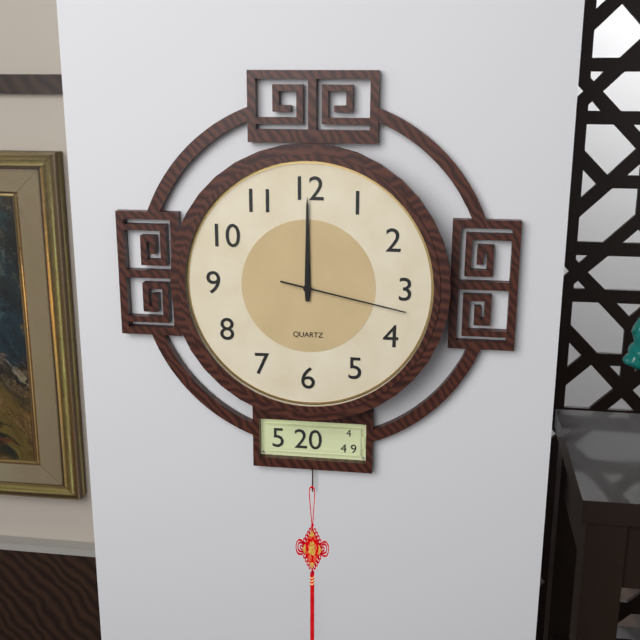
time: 12:00:17
